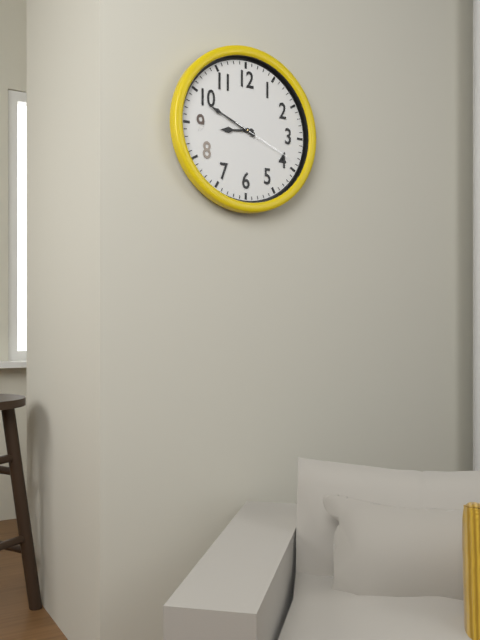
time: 8:49:19
